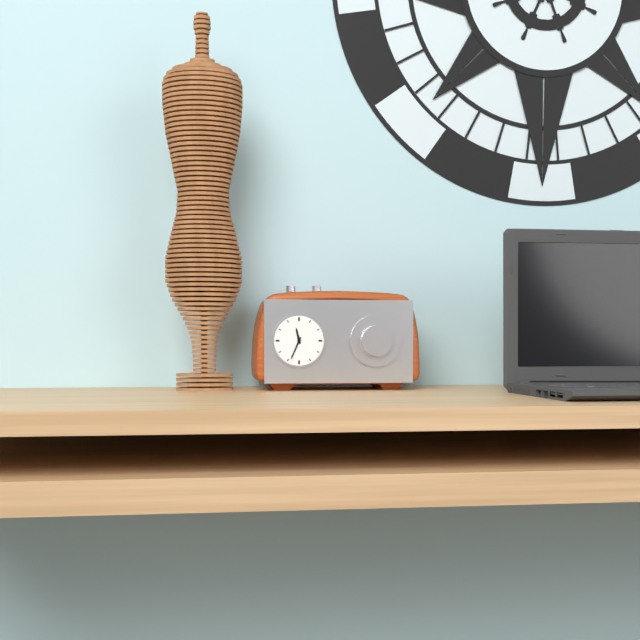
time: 11:34
